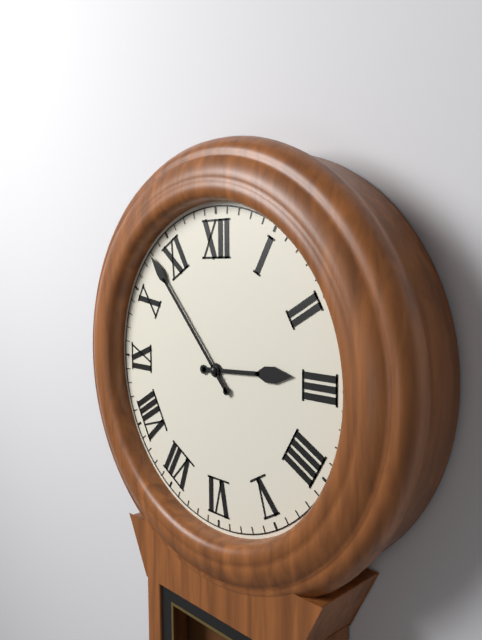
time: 2:53
